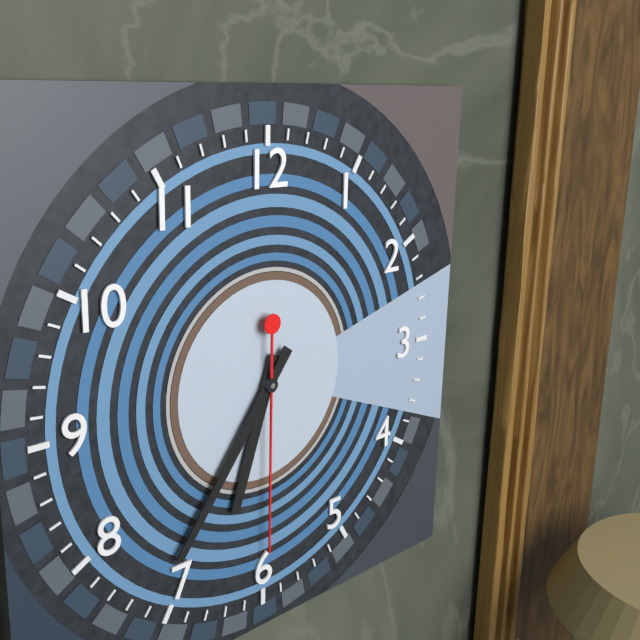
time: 6:36:30
